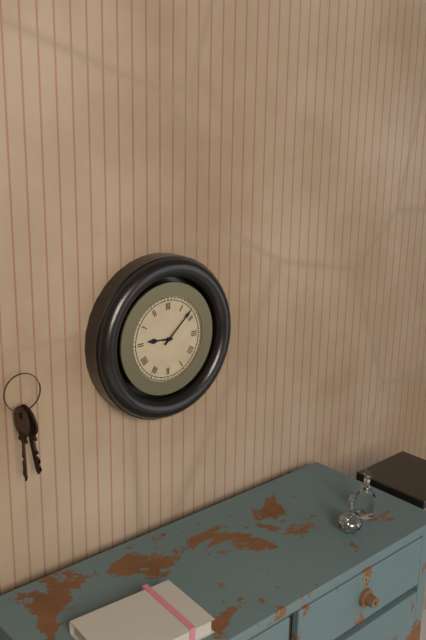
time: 9:08
